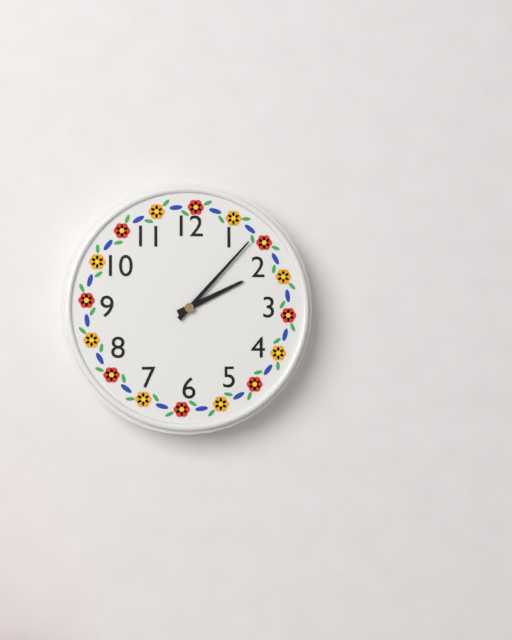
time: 2:07
